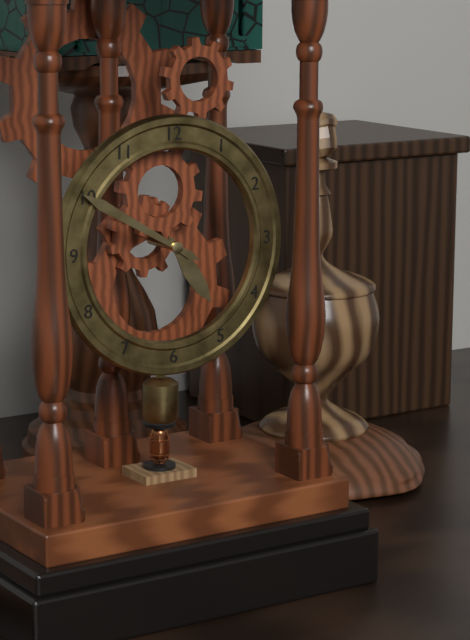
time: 4:50
